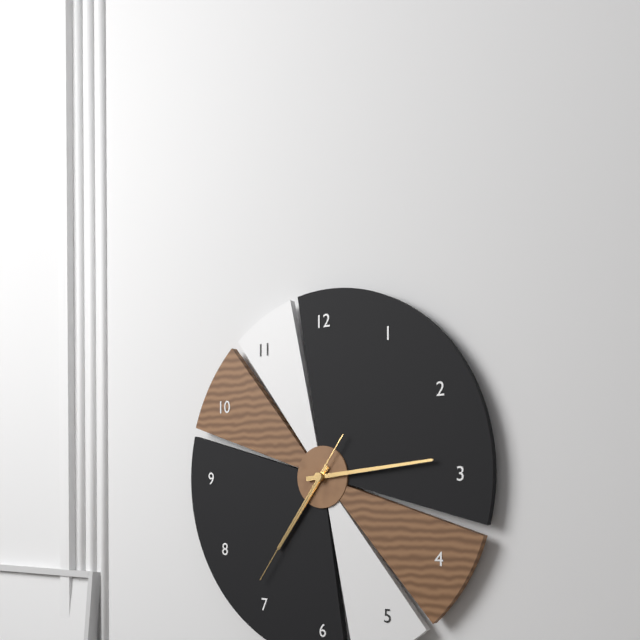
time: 7:14:36
